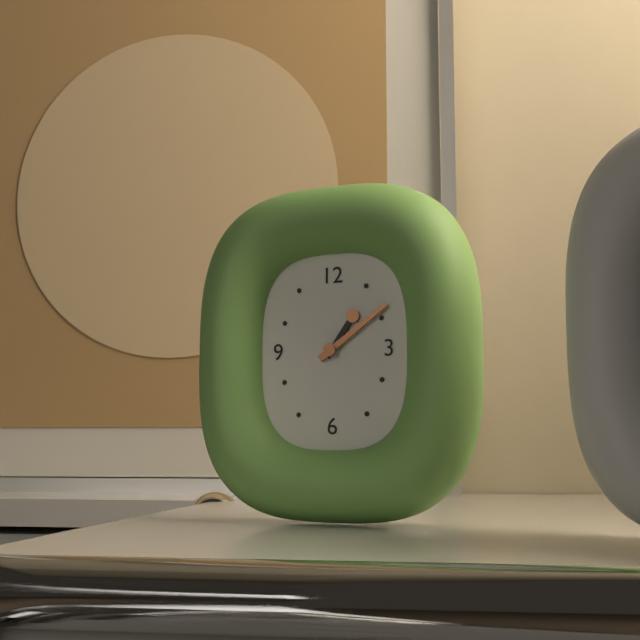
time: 1:09
